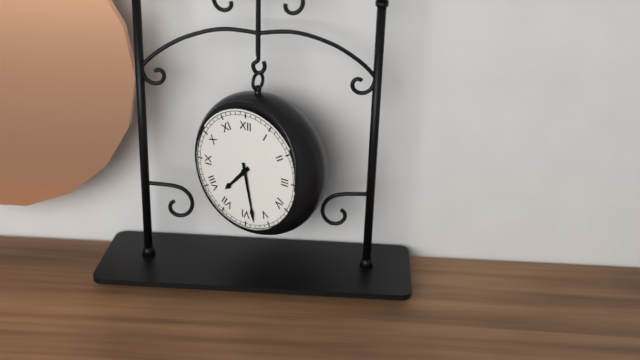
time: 7:28
